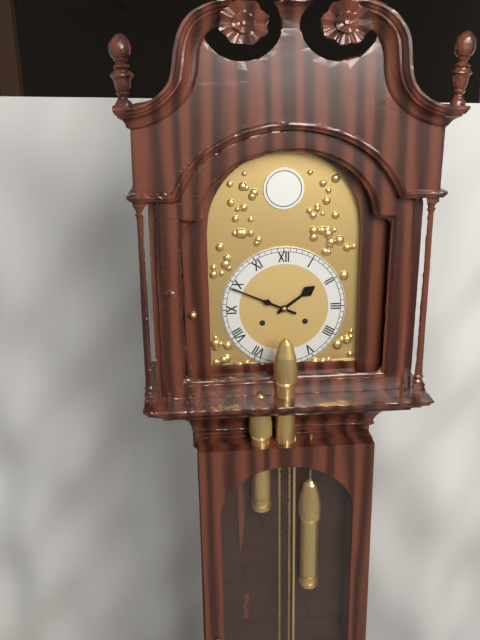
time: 1:49
